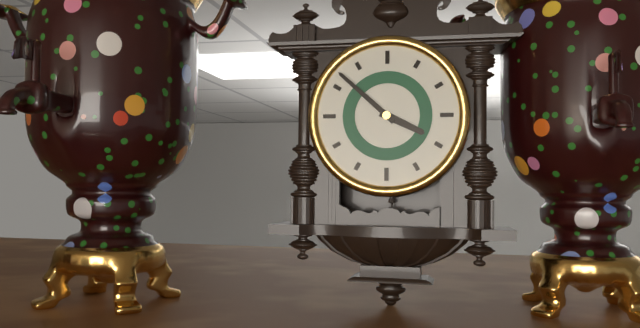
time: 3:52
